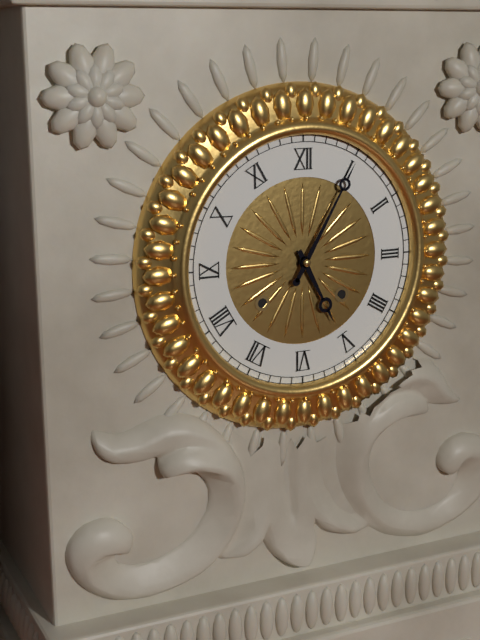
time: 5:05
